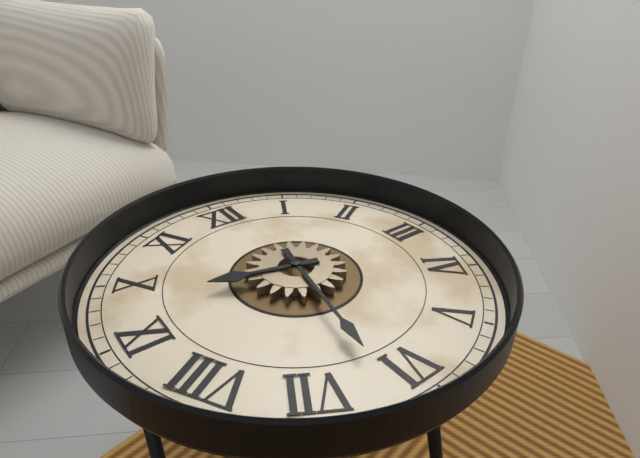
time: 9:32
